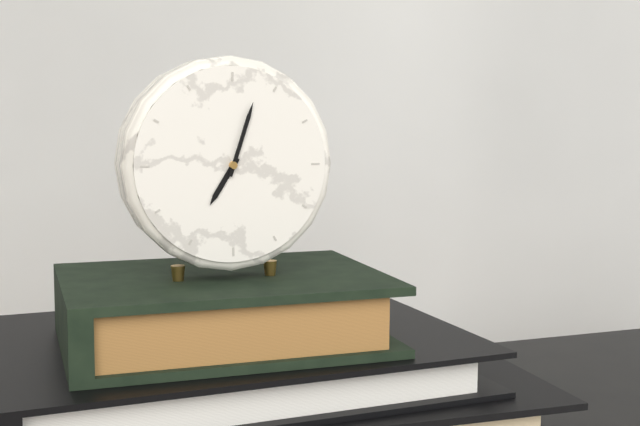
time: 7:03
